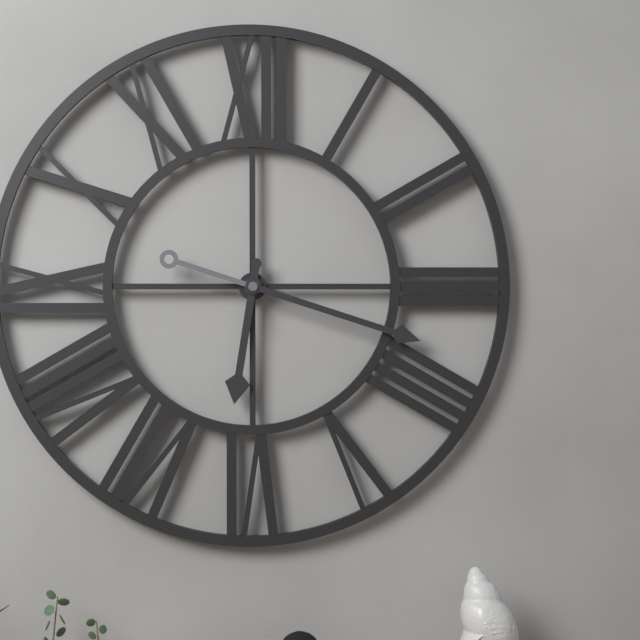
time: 6:18
